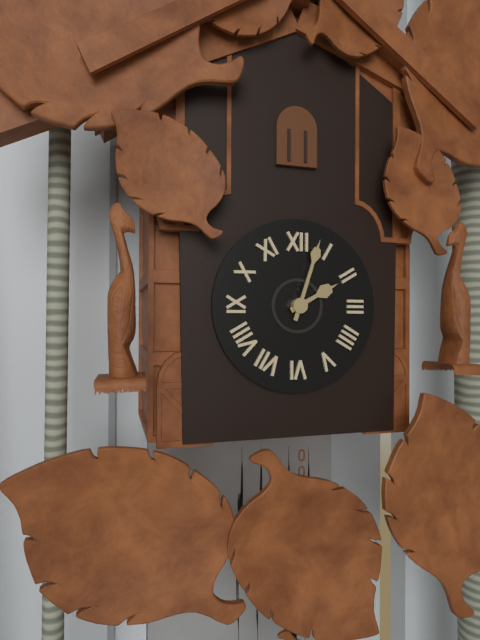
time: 2:03
